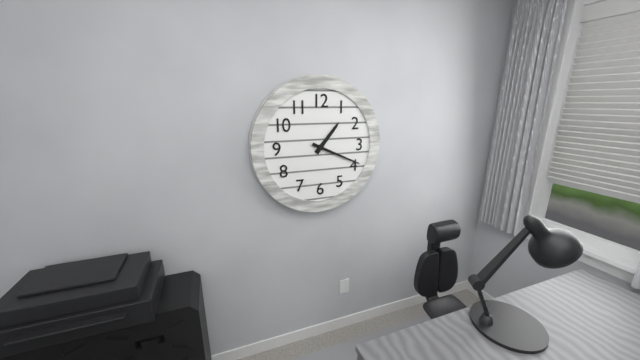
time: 1:19
